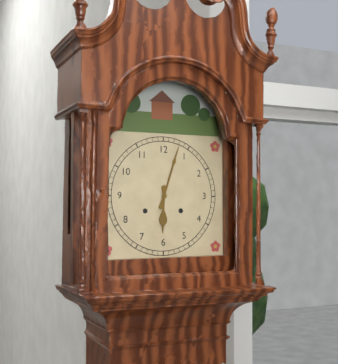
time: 6:03
